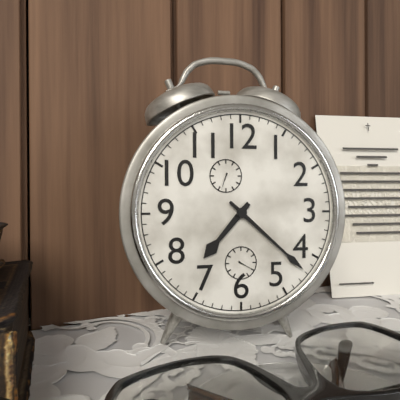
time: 7:22
